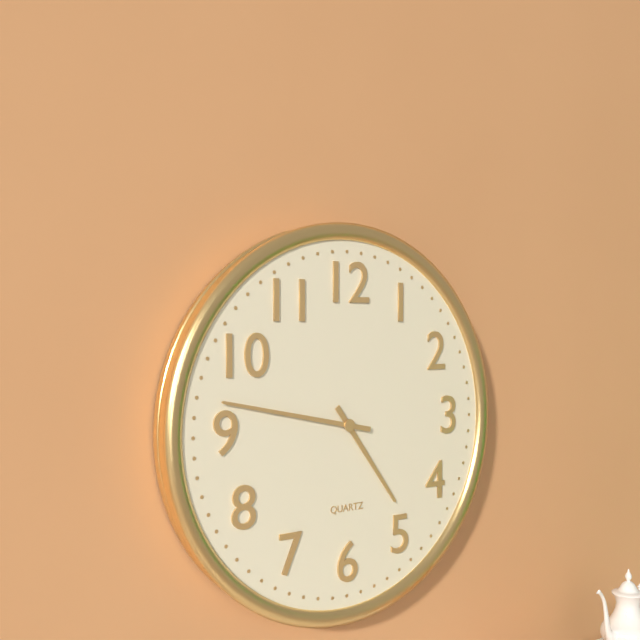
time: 4:47
